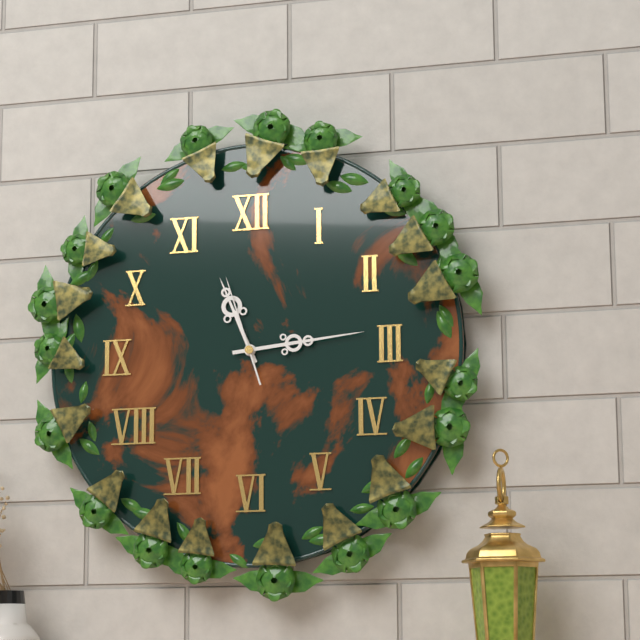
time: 11:14:57
